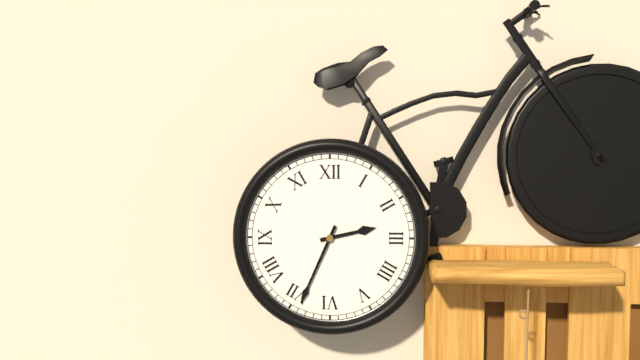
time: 2:34
